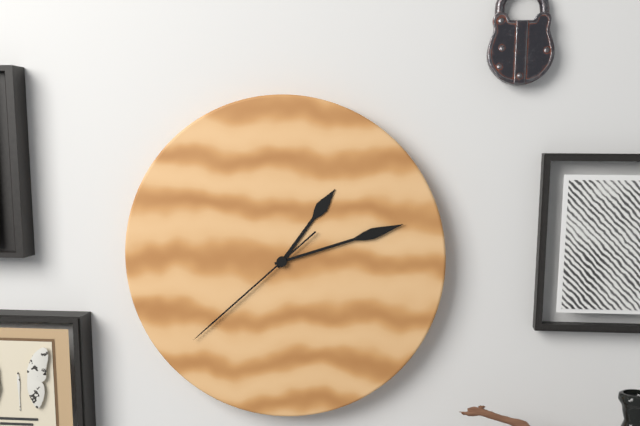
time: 1:12:38
